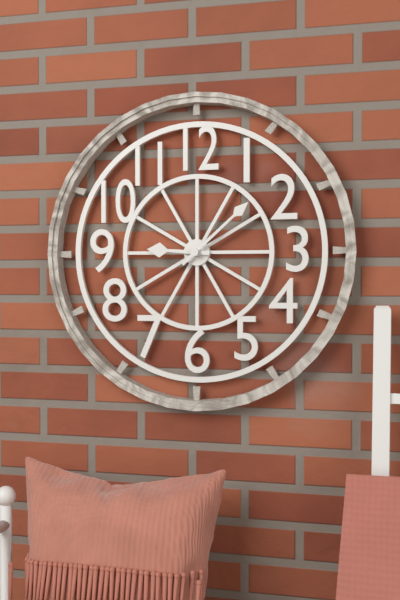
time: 9:08
